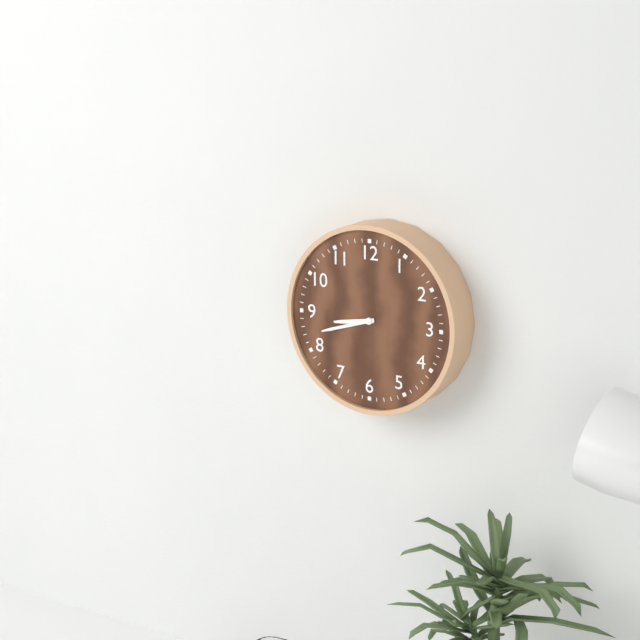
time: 8:42
